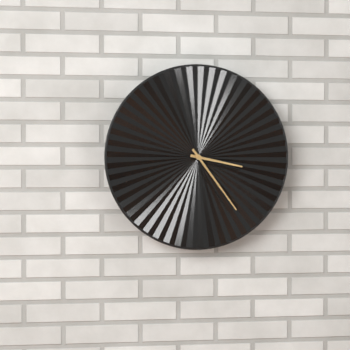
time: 3:24
